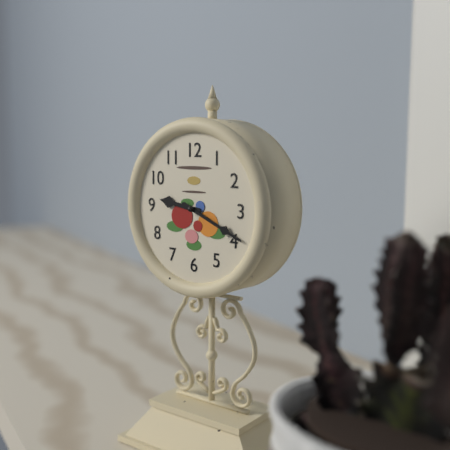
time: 9:19
